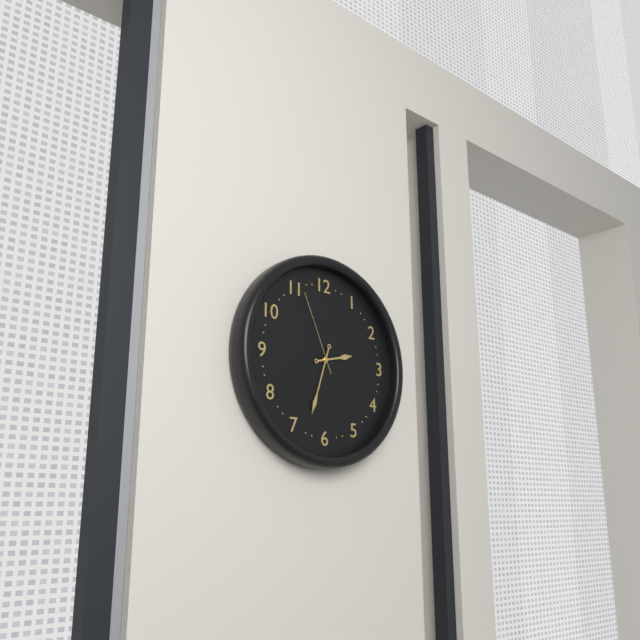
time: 2:33:56
